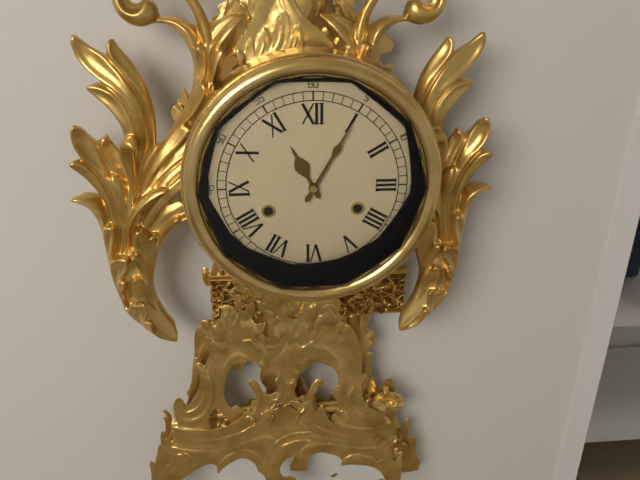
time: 11:05
